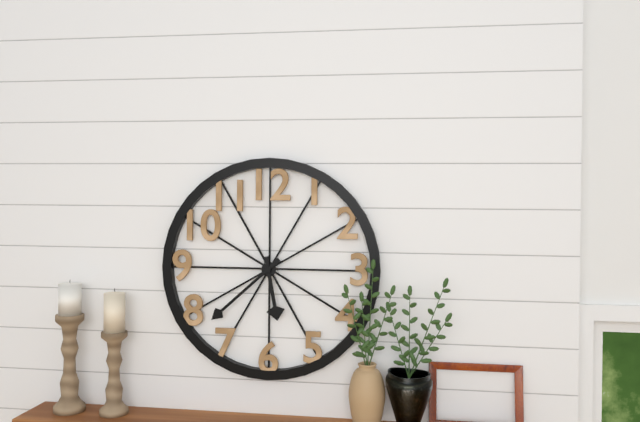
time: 5:38
